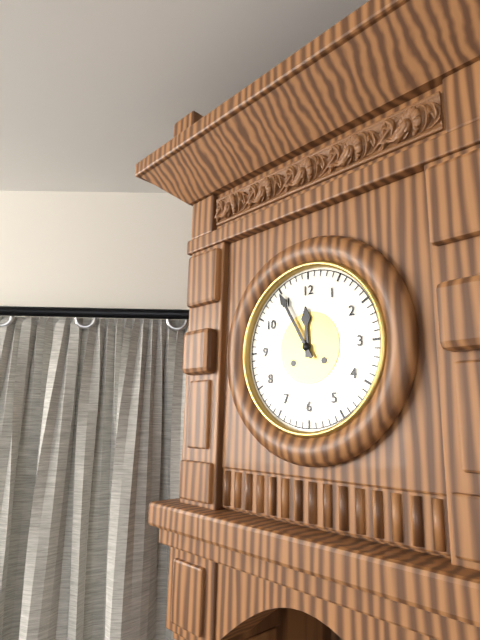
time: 11:55
